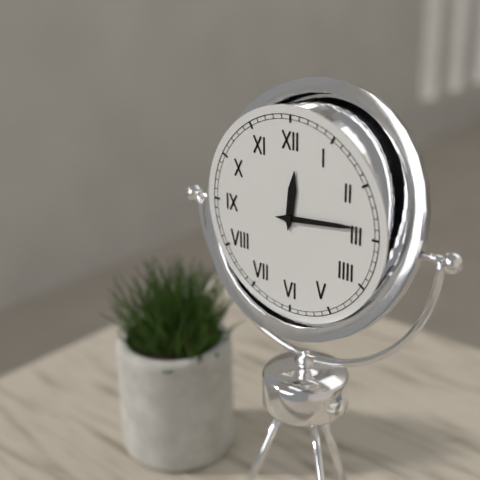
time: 12:14
